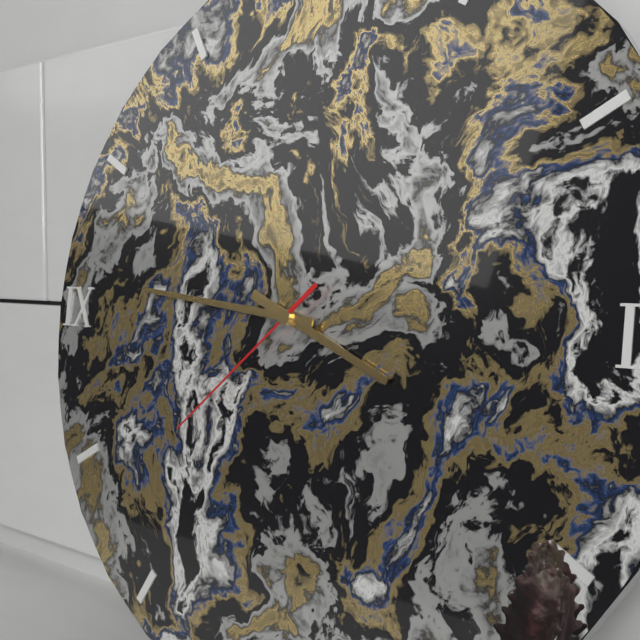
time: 3:46:38
